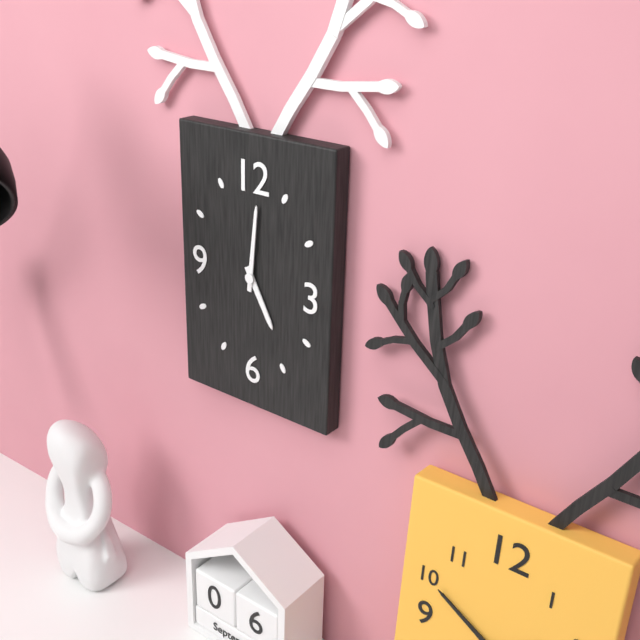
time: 5:01
